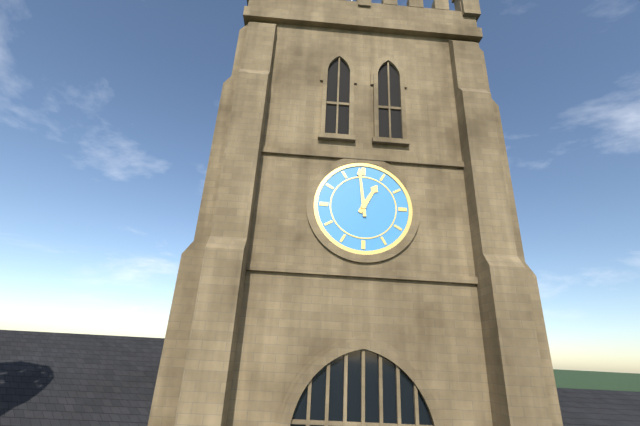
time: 12:59
